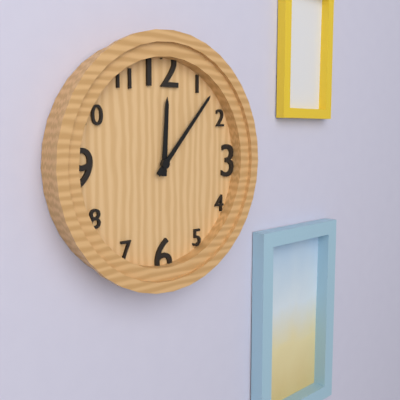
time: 12:07
